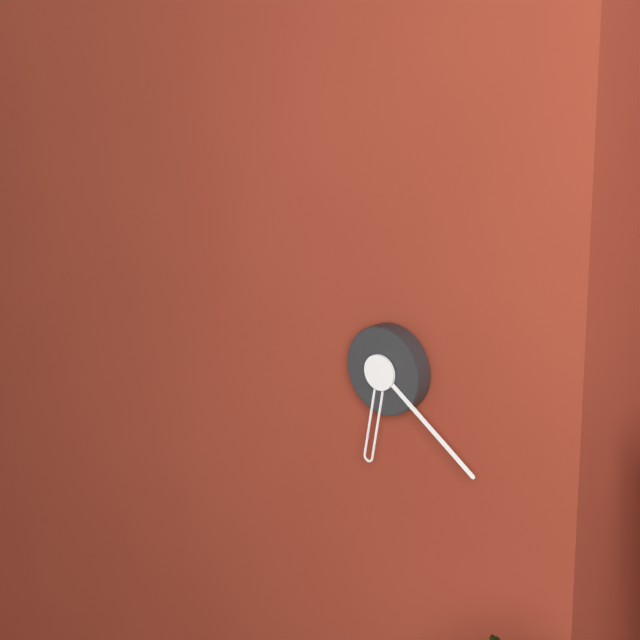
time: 6:21
